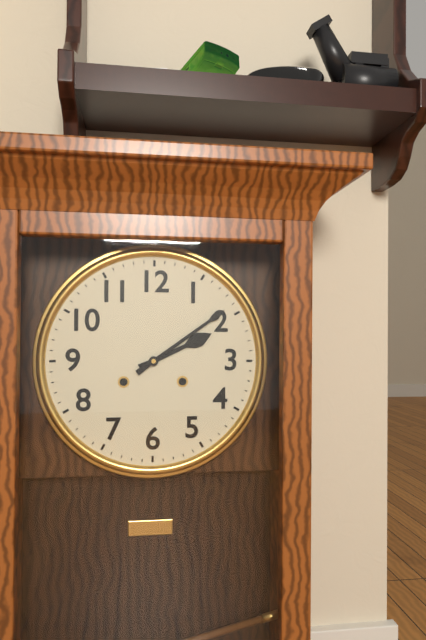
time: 2:09
